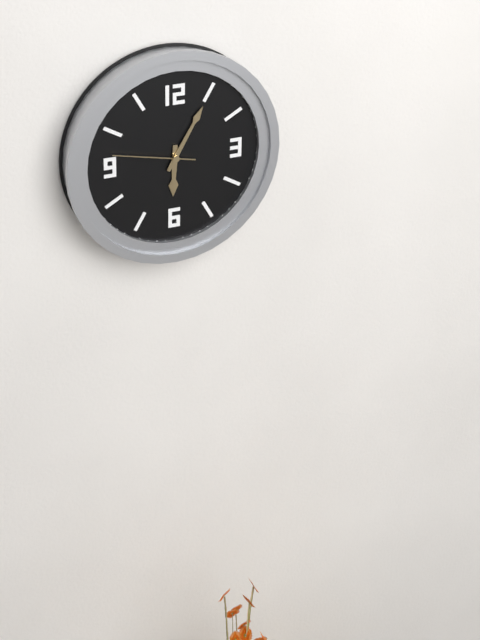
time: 6:05:47
